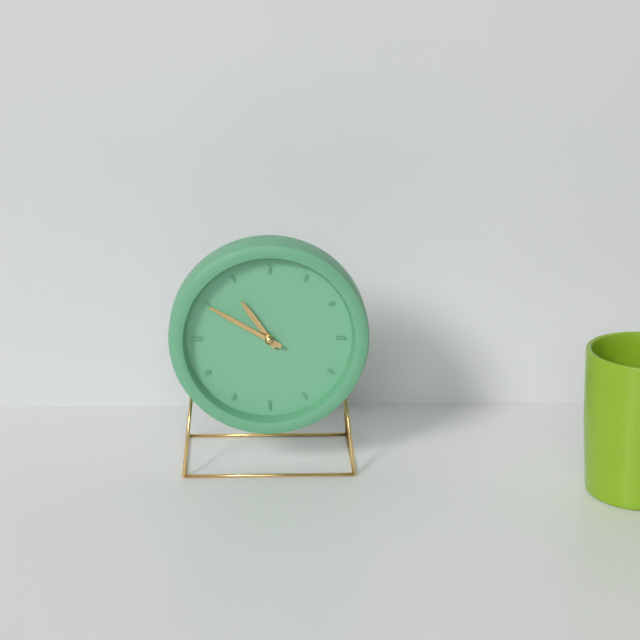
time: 10:50
